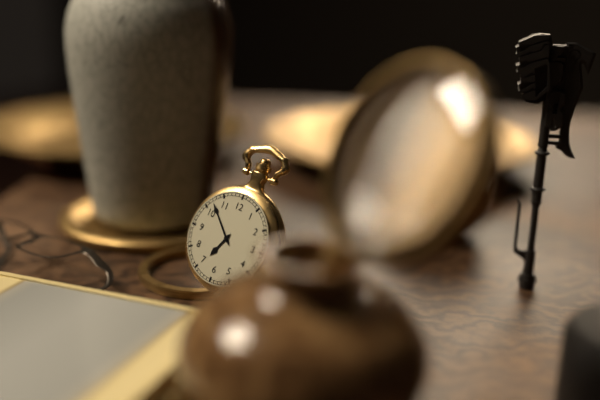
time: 6:52
